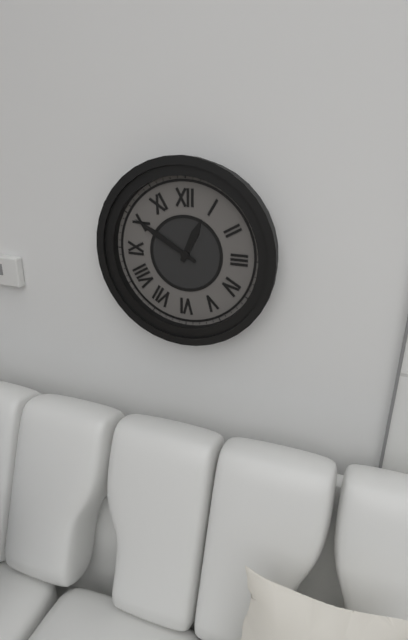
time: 12:50
